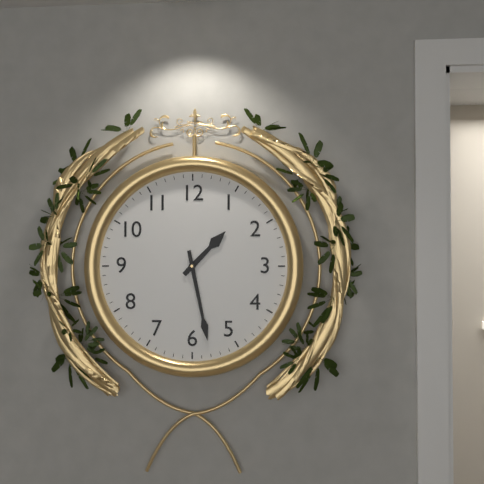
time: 1:28
